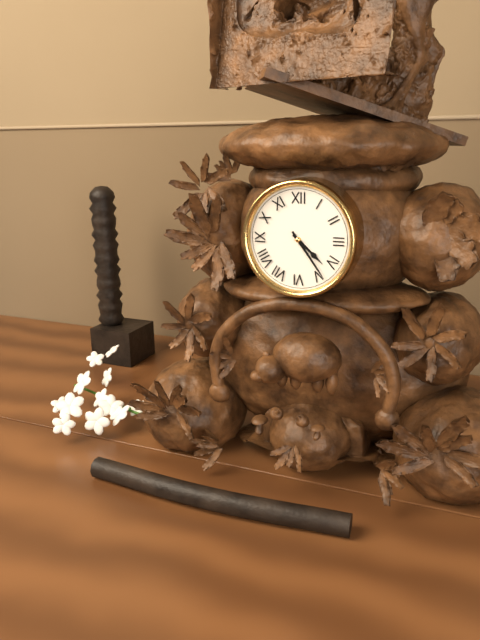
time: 4:24
